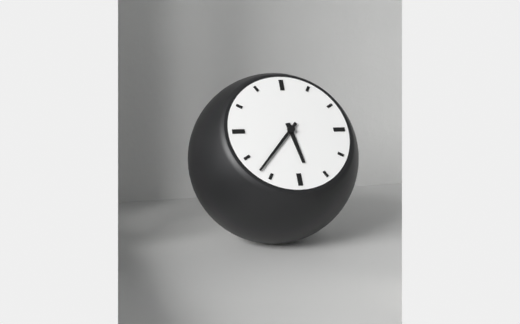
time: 5:37
